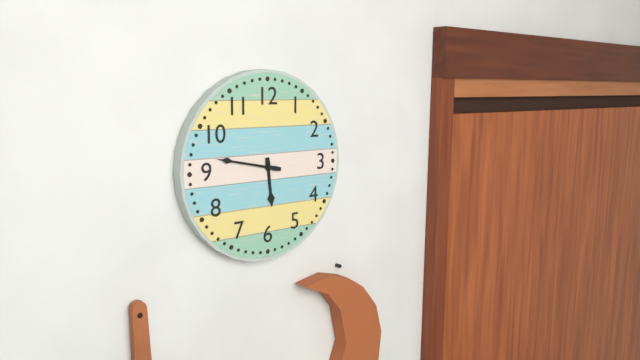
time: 5:47
